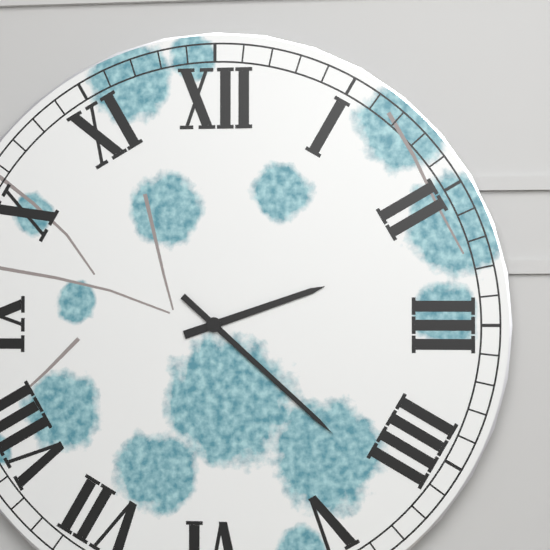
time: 2:22
